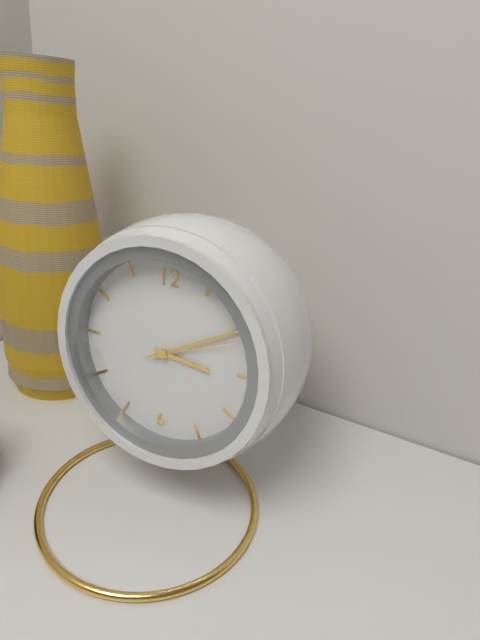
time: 3:10:11
